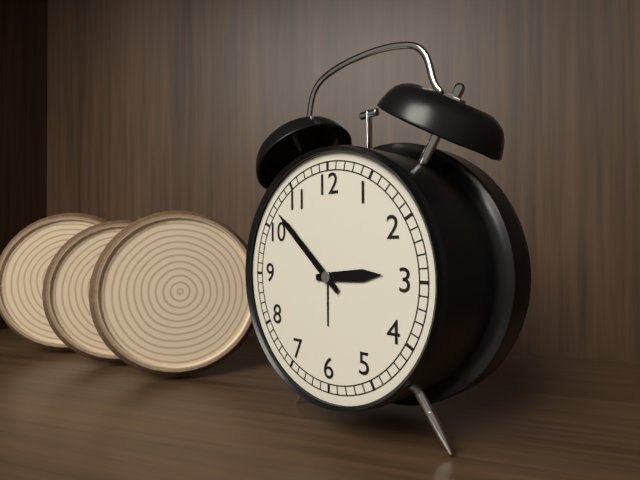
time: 2:52
